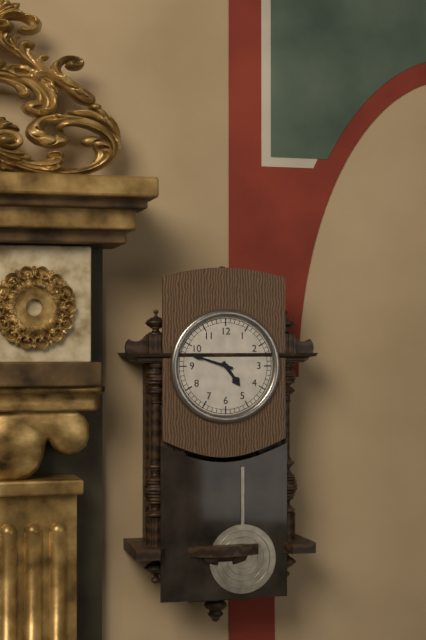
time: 4:48
